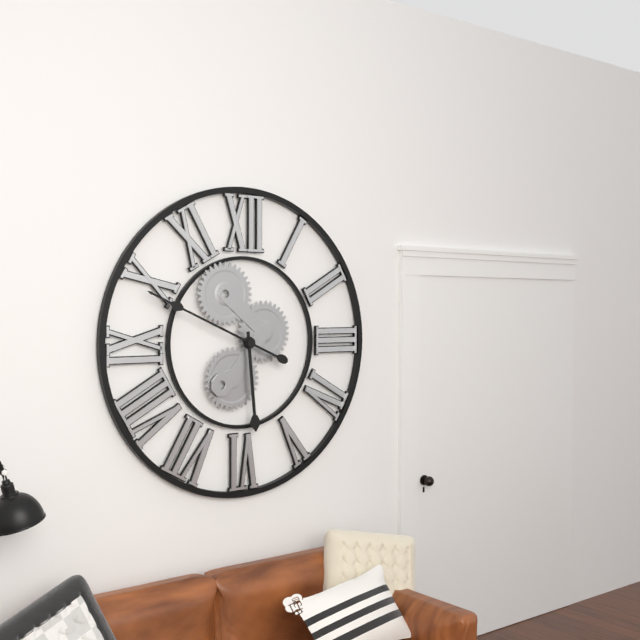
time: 5:49
